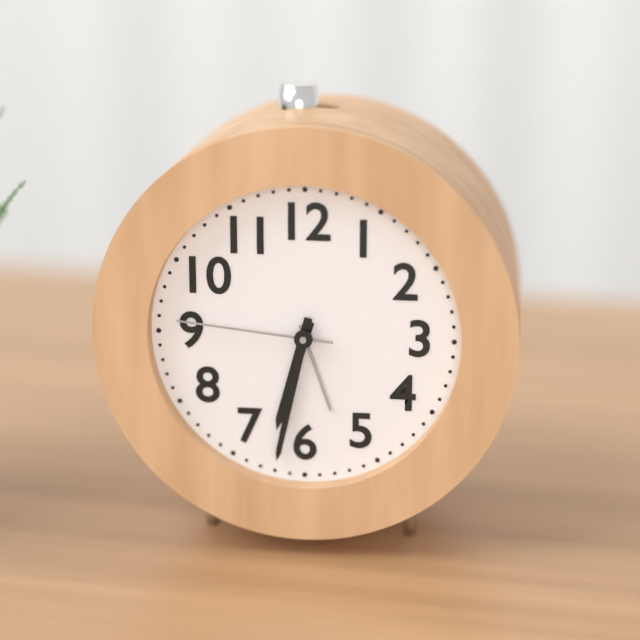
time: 6:32:46
